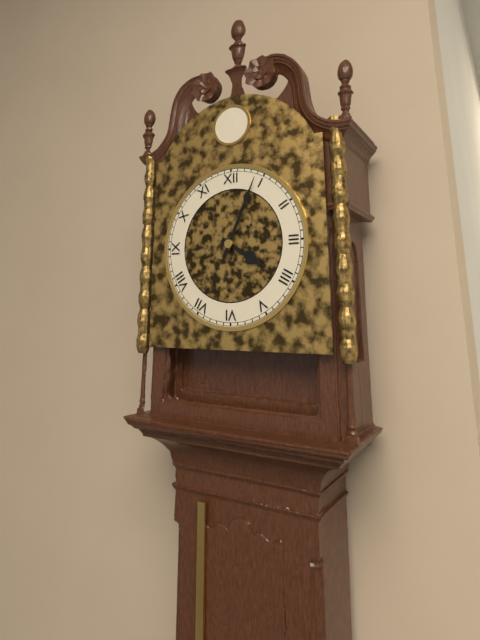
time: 4:04
